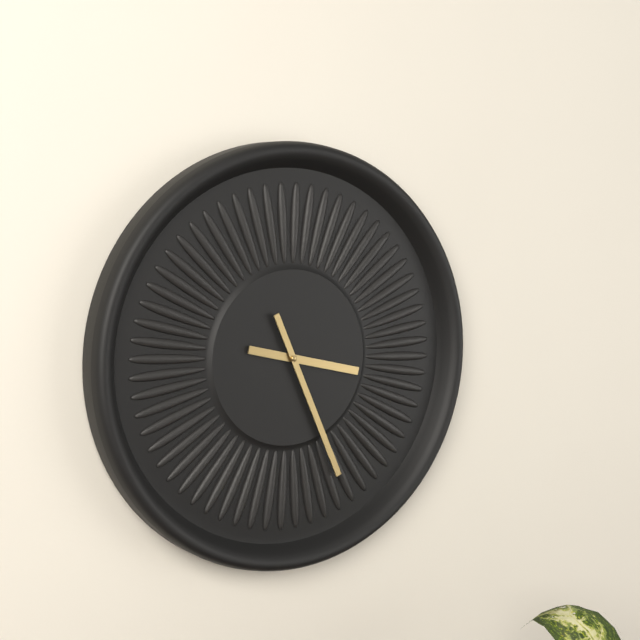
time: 3:26
